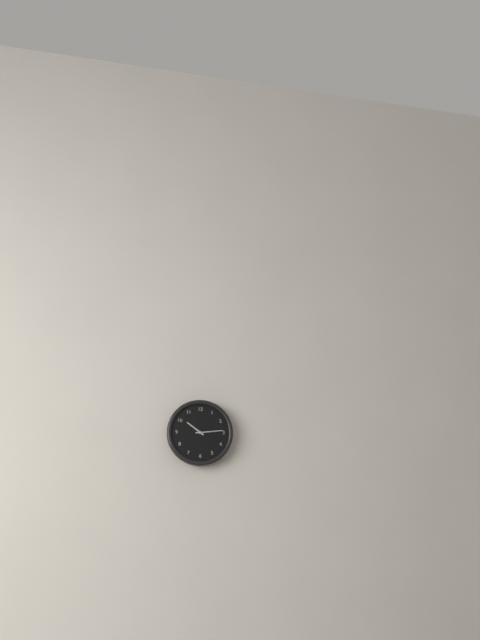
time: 10:14
